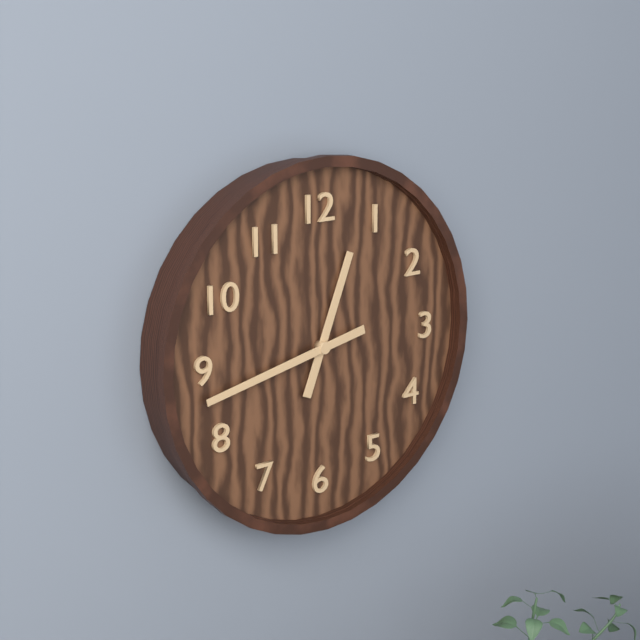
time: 12:43
